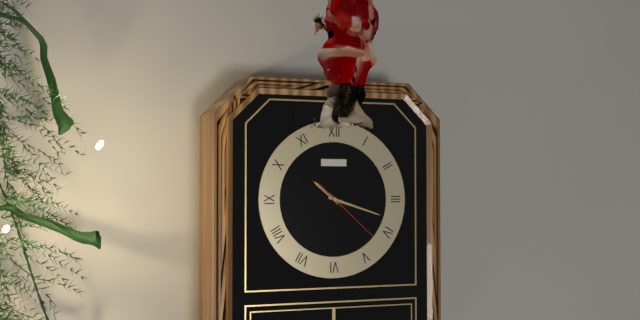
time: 10:18:22
